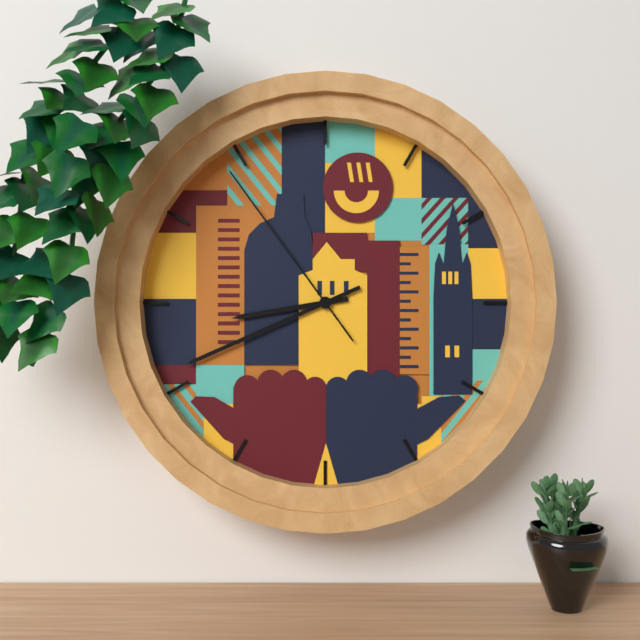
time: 8:41:54
